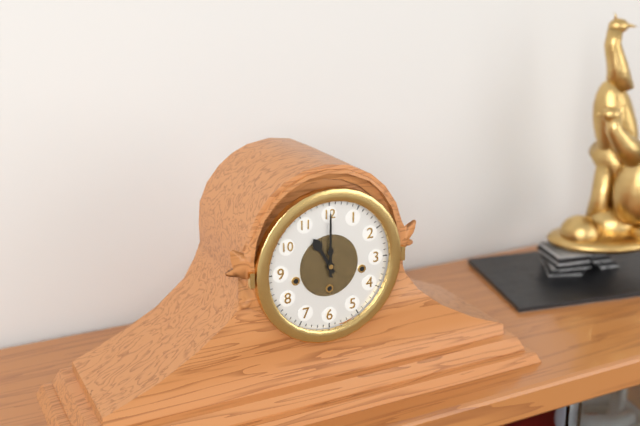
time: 11:00
